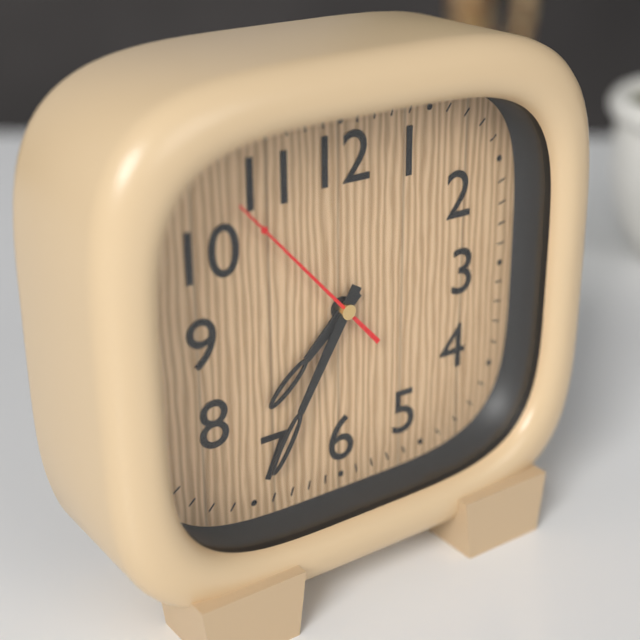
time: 7:35:53
